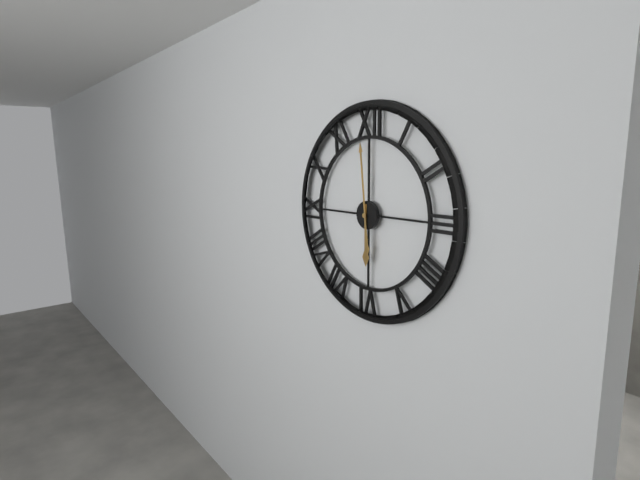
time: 5:59
